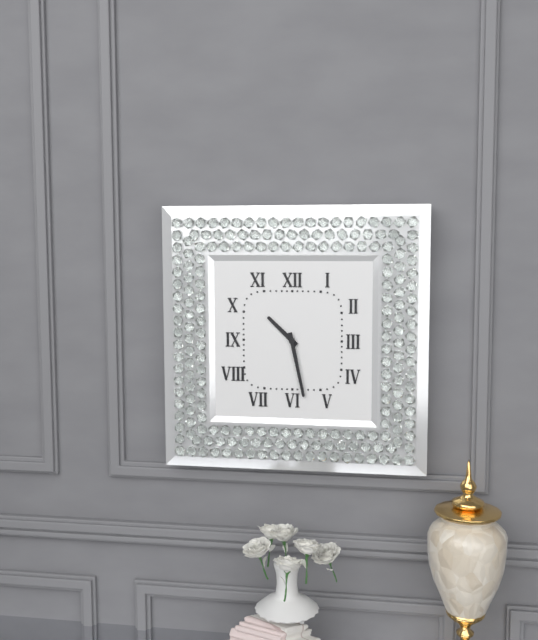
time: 10:28
